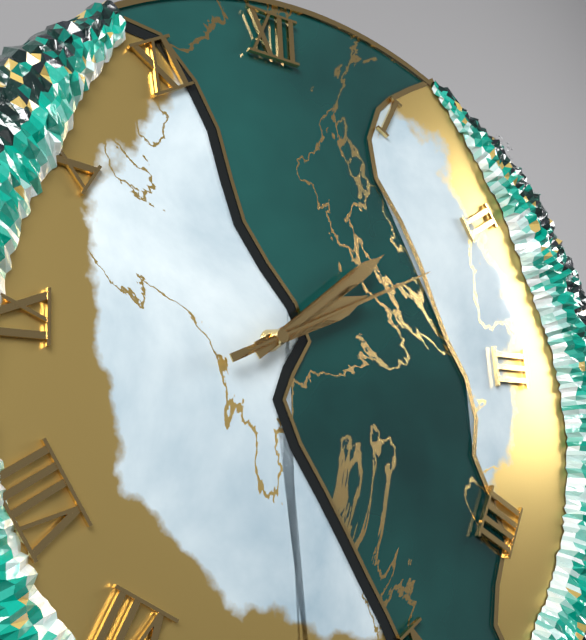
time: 2:09:11
